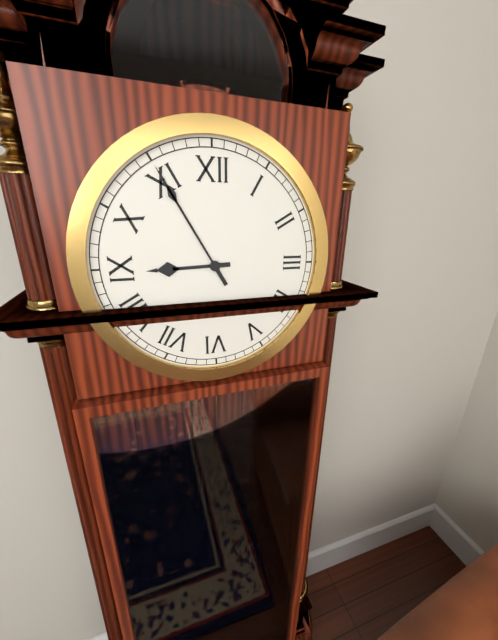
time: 8:55
